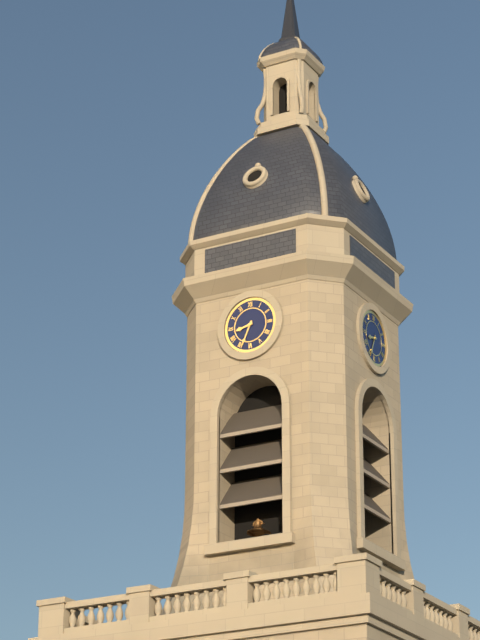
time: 8:34
